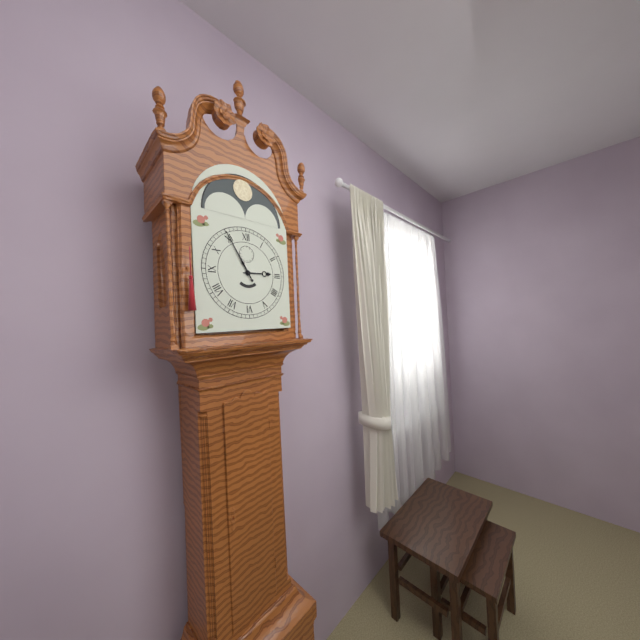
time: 2:55
